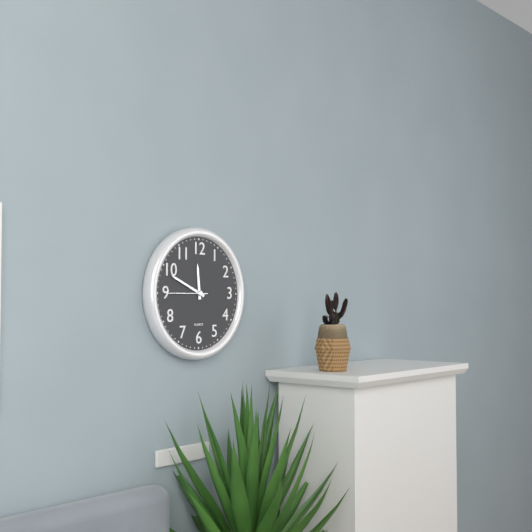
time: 11:49
